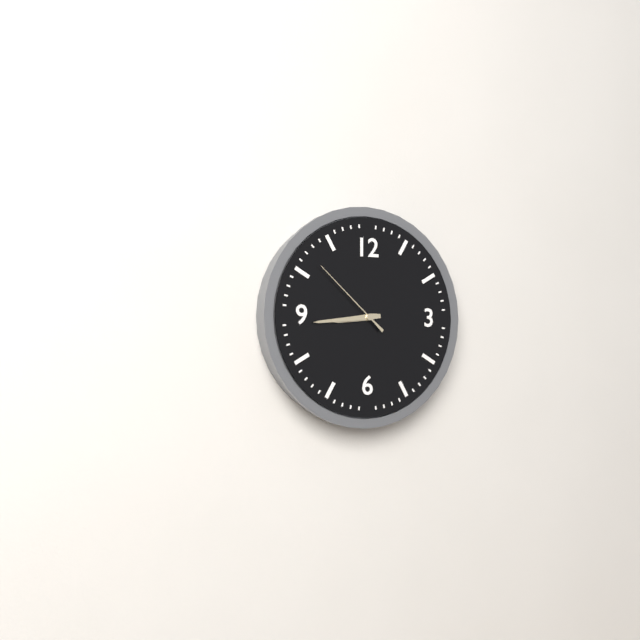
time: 8:44:52
